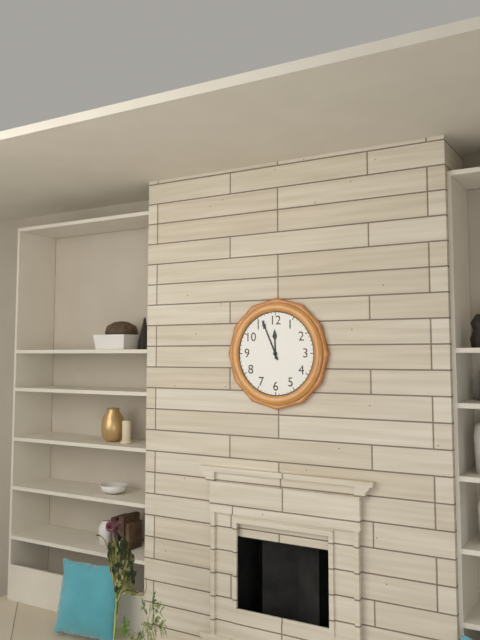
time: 11:56
